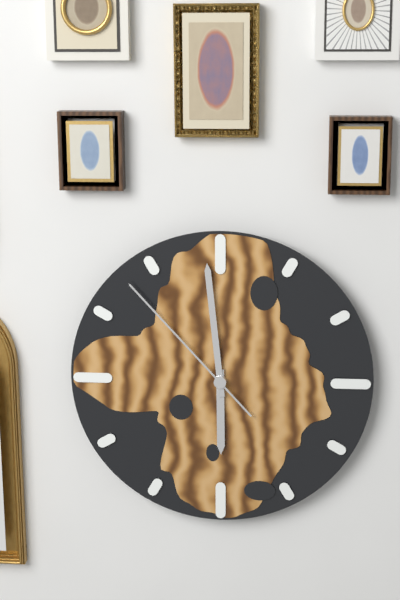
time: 5:59:53
